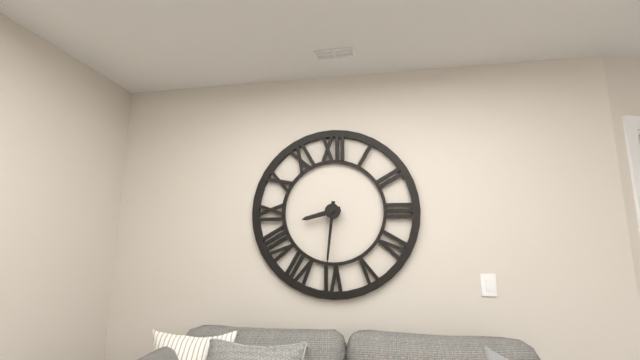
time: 8:31
